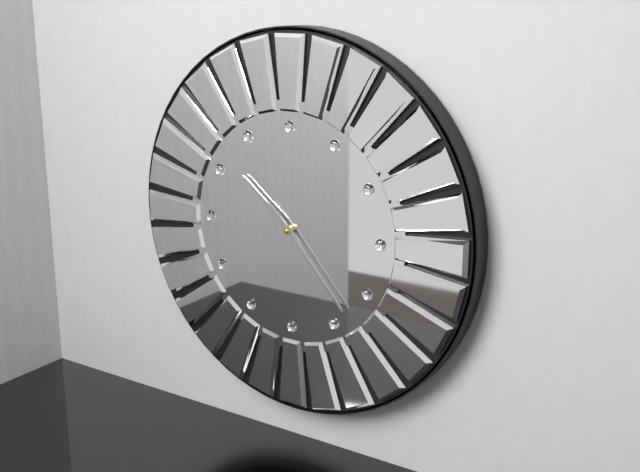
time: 10:23
